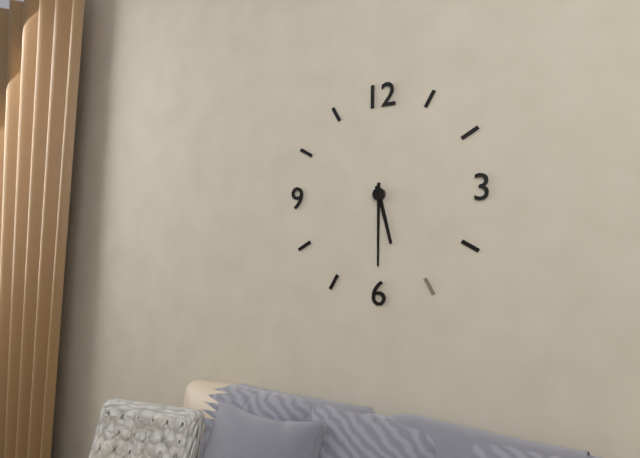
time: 5:30
